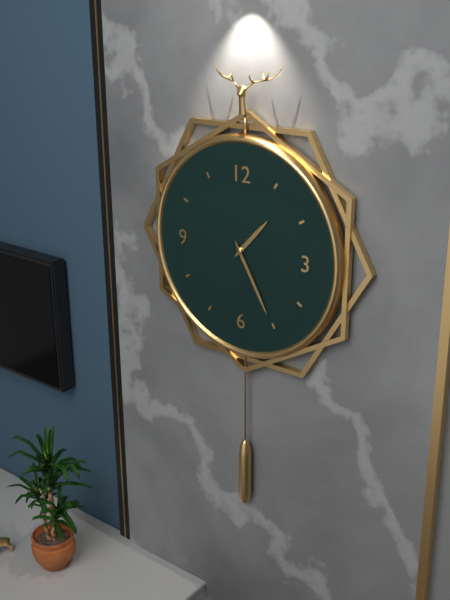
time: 1:25
